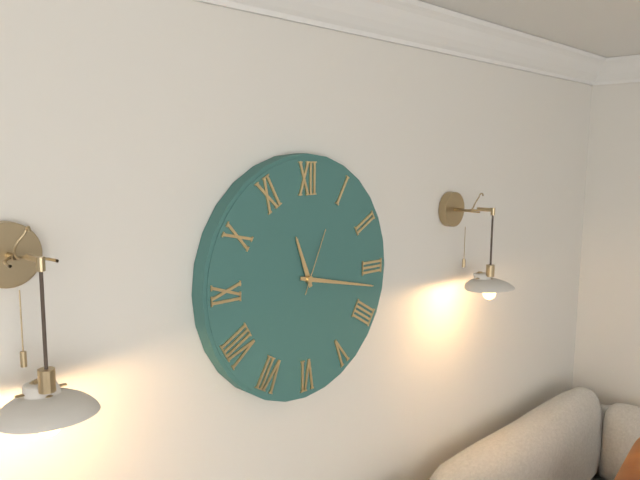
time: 11:17:04
